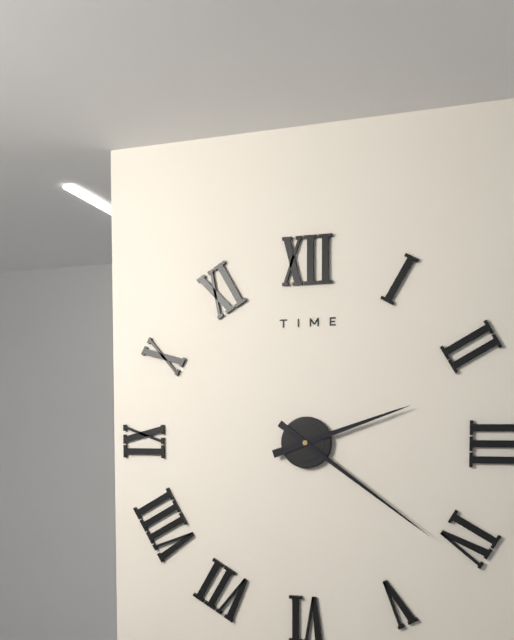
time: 2:21
